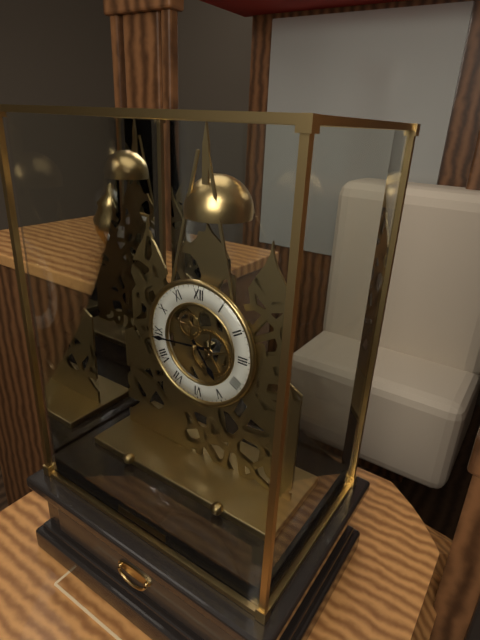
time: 4:44
